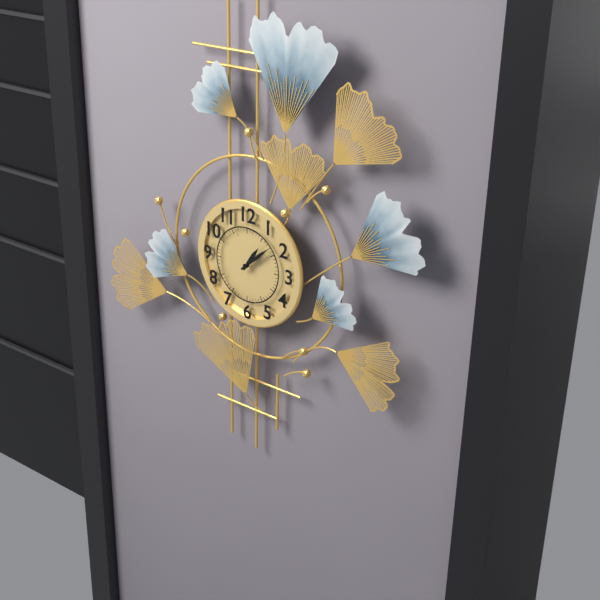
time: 1:08
